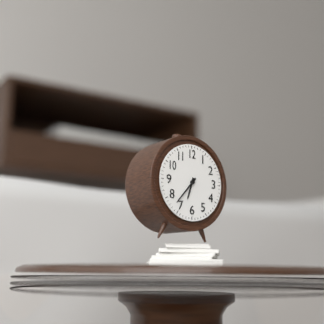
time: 6:37
